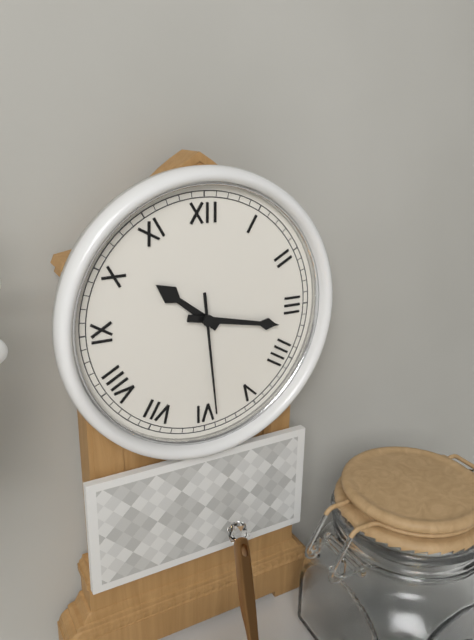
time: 10:17:29
